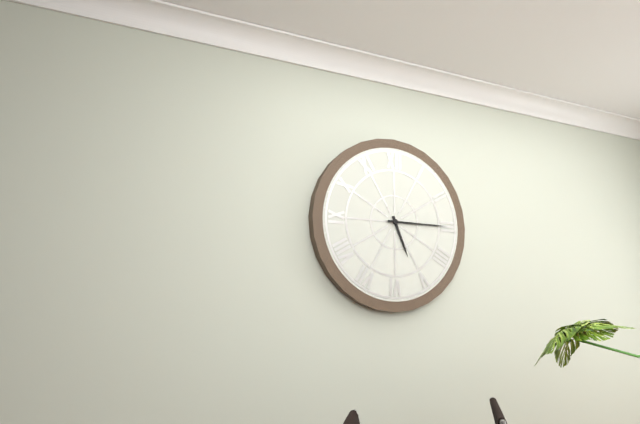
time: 5:15
